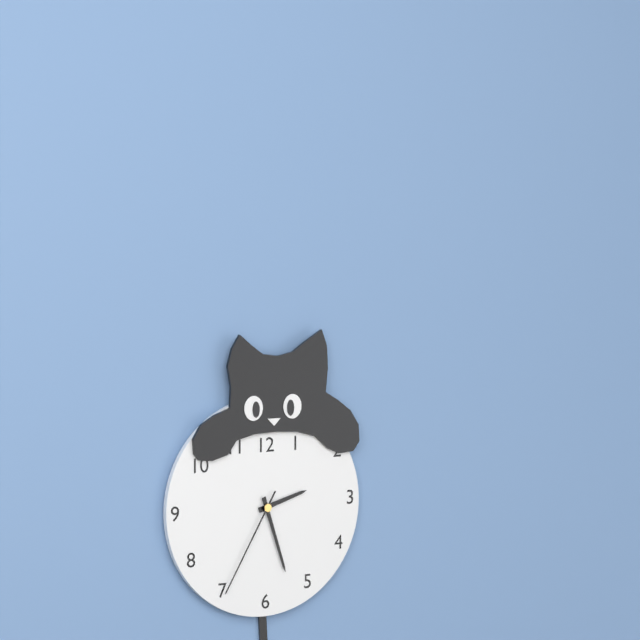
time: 2:27:35
